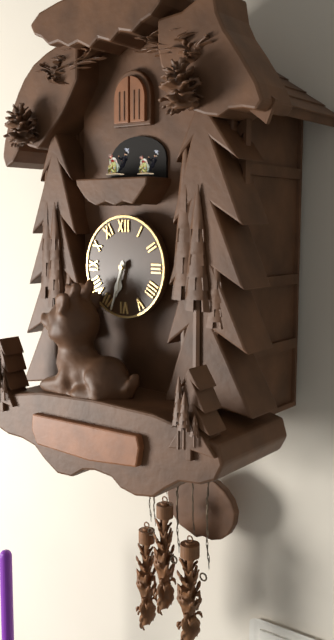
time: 6:33
